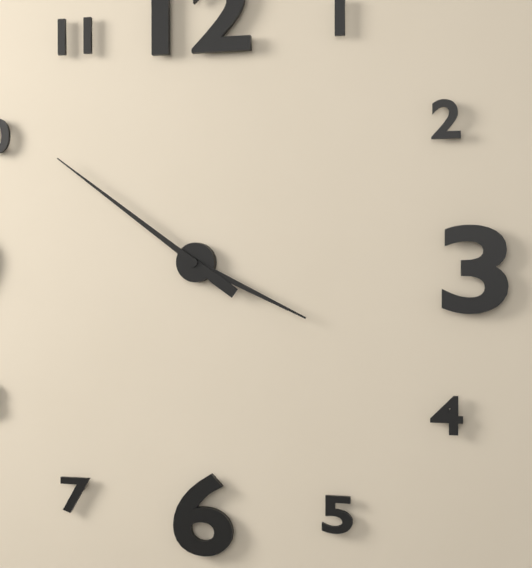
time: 3:51
